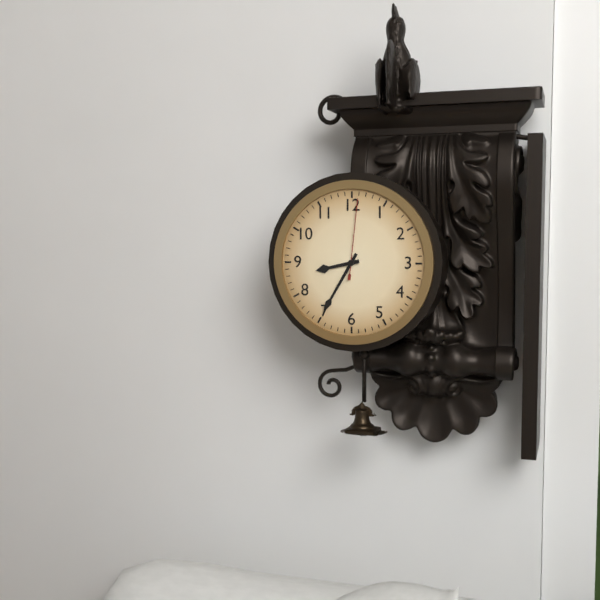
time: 8:35:01
